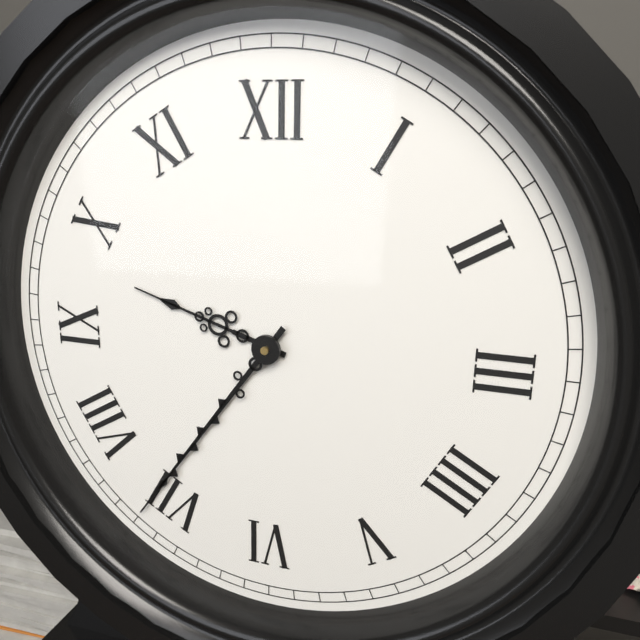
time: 9:36
